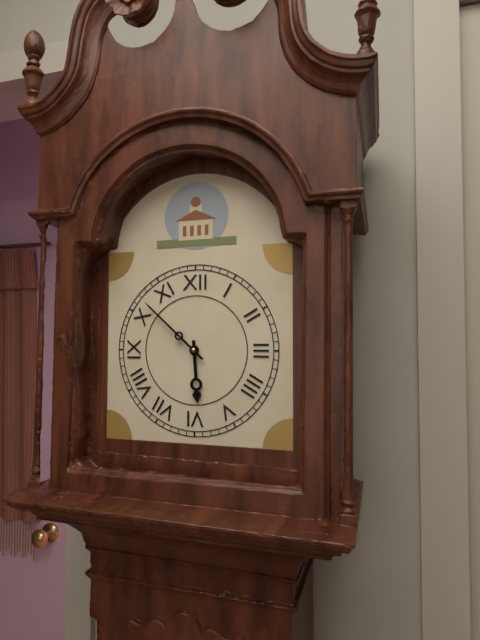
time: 5:52
